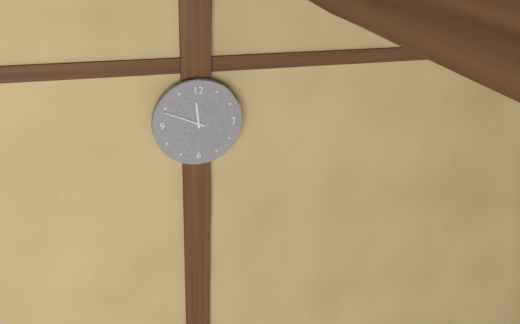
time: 11:49
